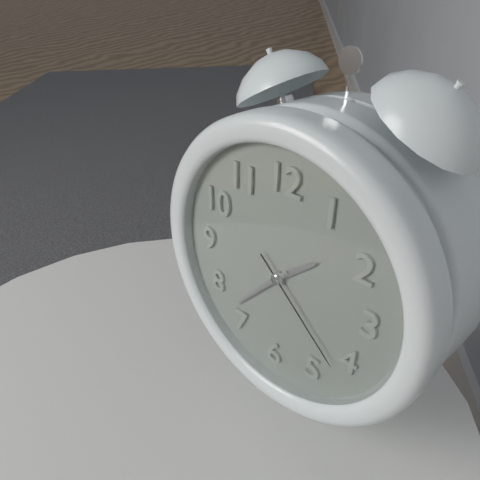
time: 1:37:22
